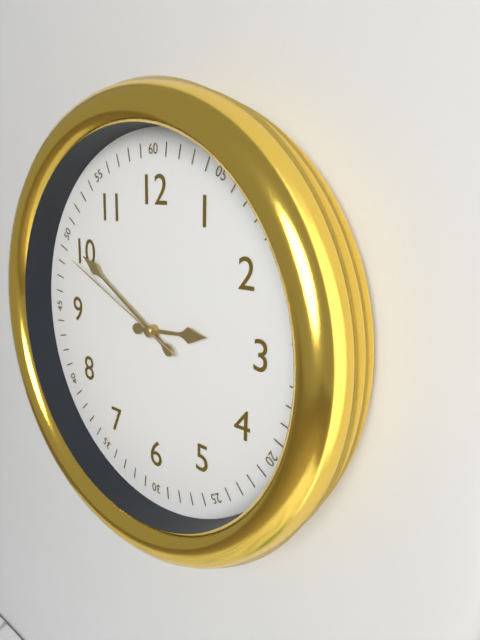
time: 2:50:49
